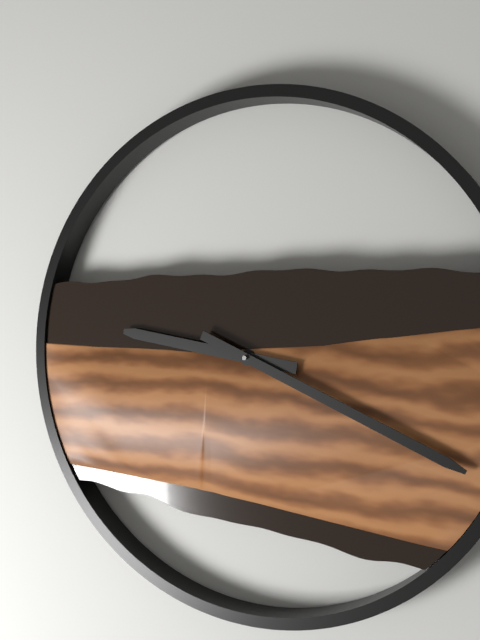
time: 9:19
